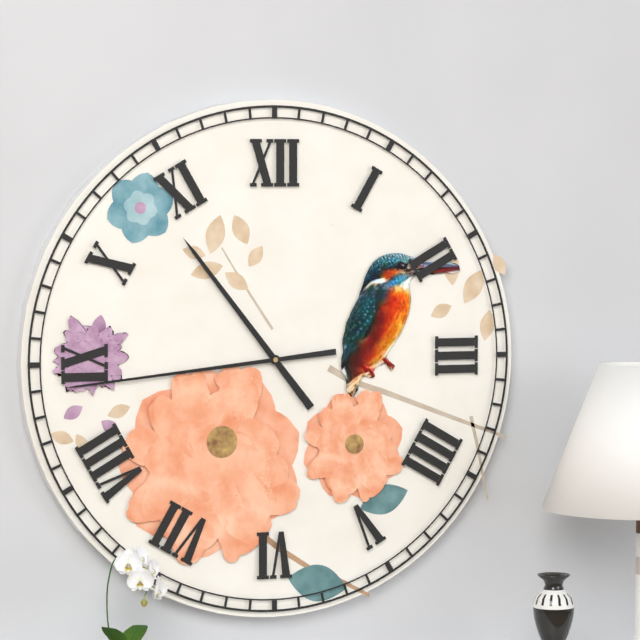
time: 10:44
